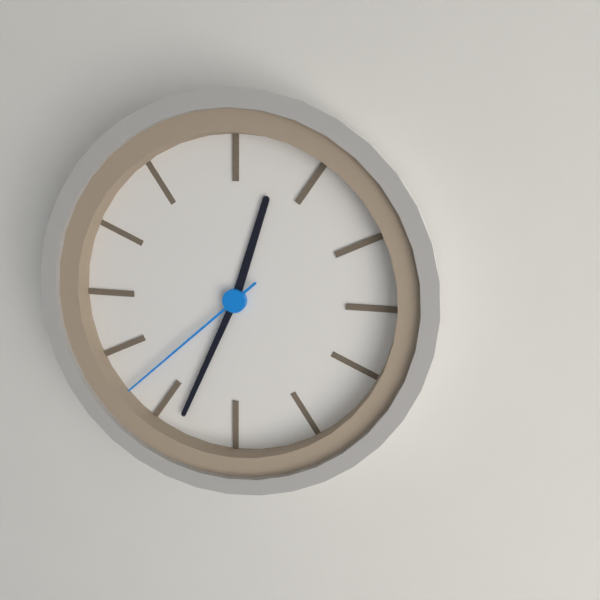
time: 12:34:38
